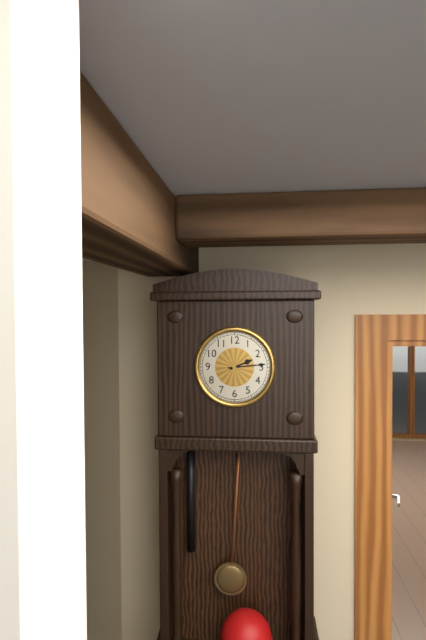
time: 2:14
